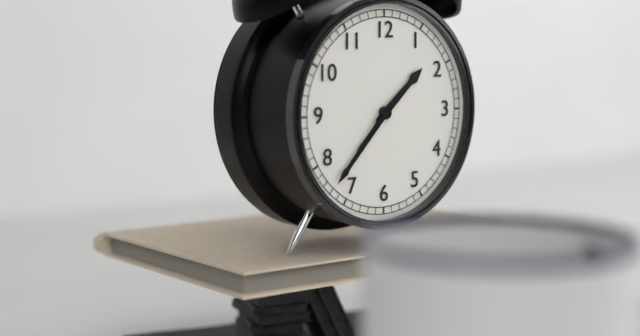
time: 1:37
